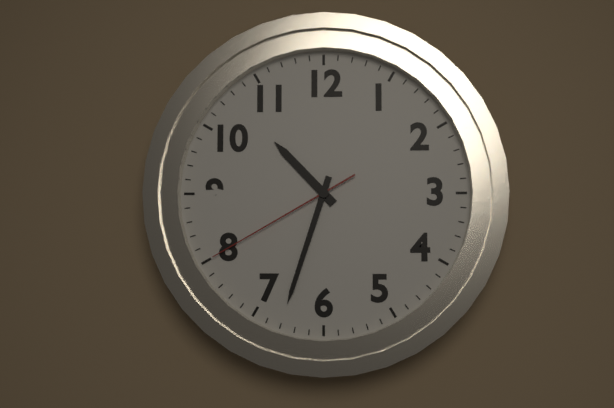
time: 10:33:40
